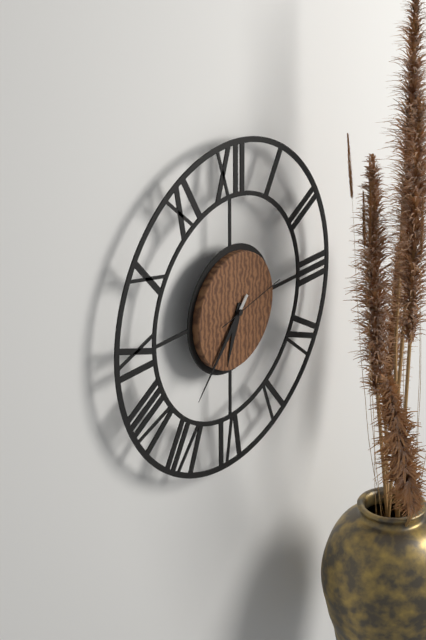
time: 6:37:13
